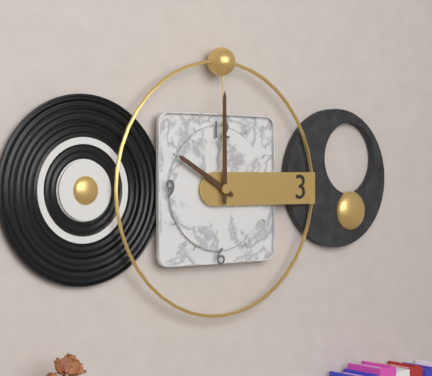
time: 10:00
